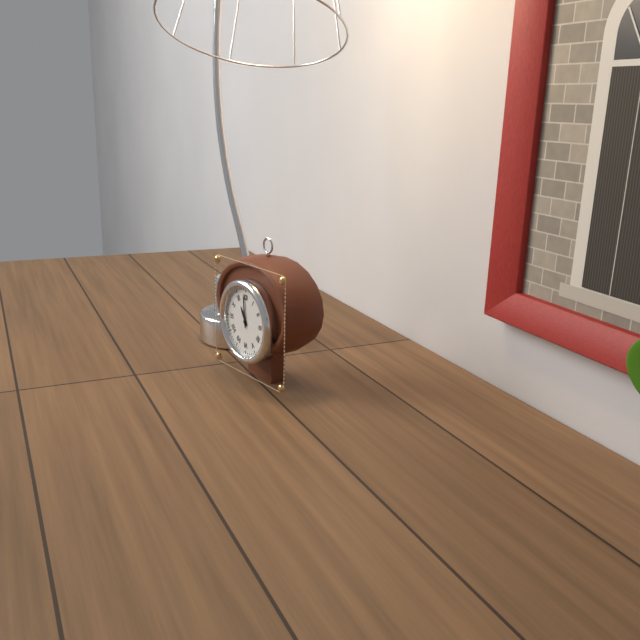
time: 10:59
